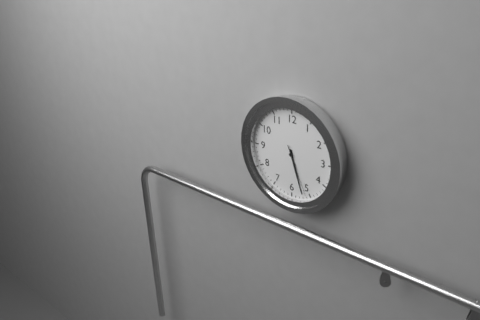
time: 5:27:26
